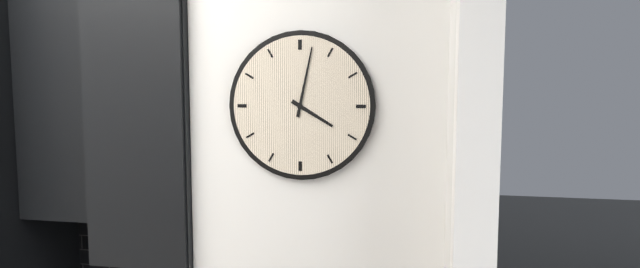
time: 4:02
